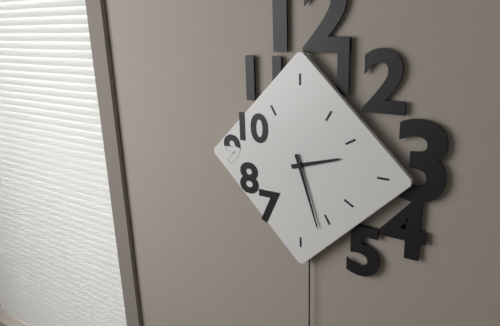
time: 2:27
